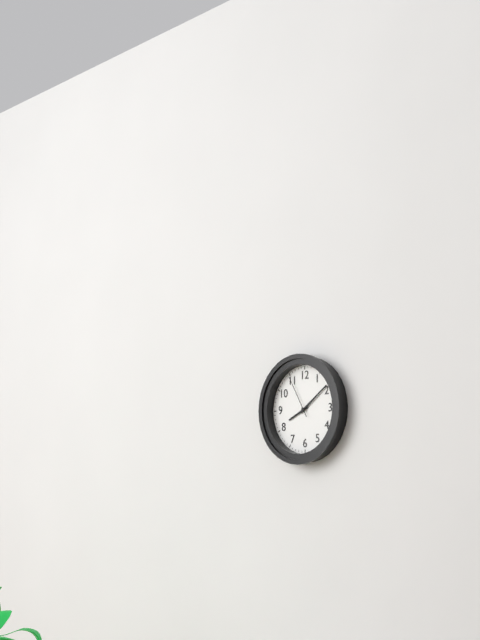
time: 8:09
